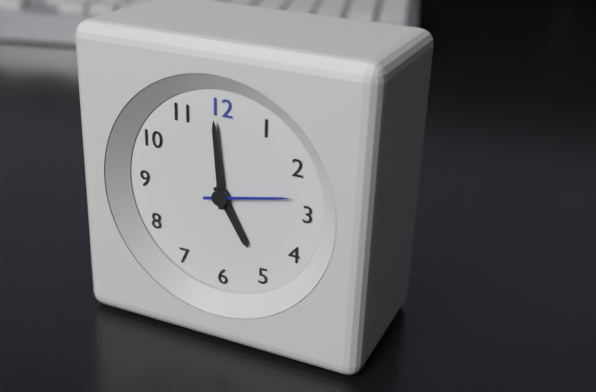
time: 4:59:13
